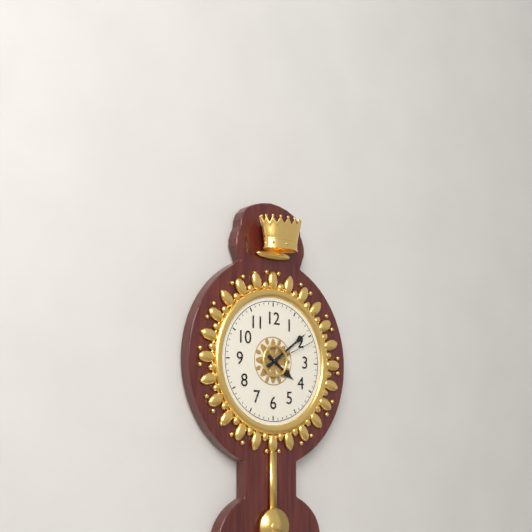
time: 4:09:11
